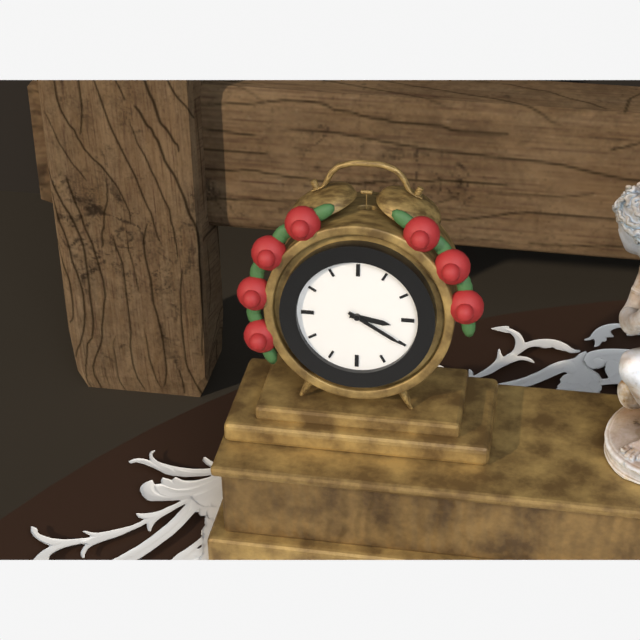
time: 3:20
